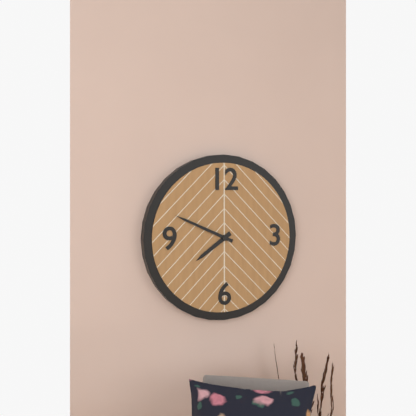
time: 7:49
